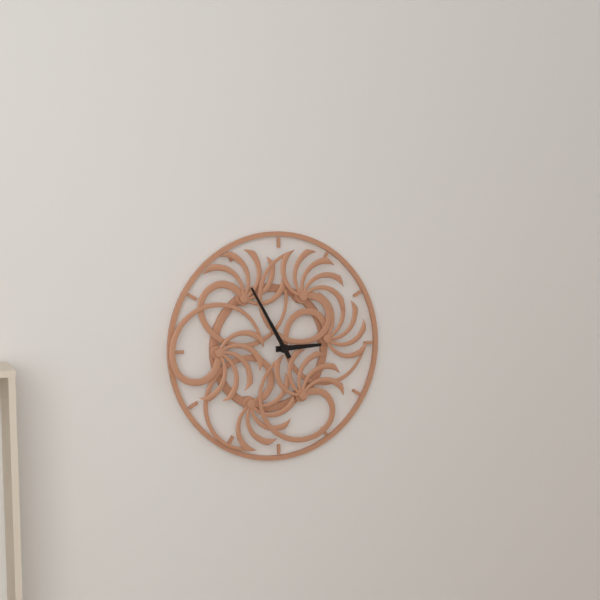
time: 2:55
